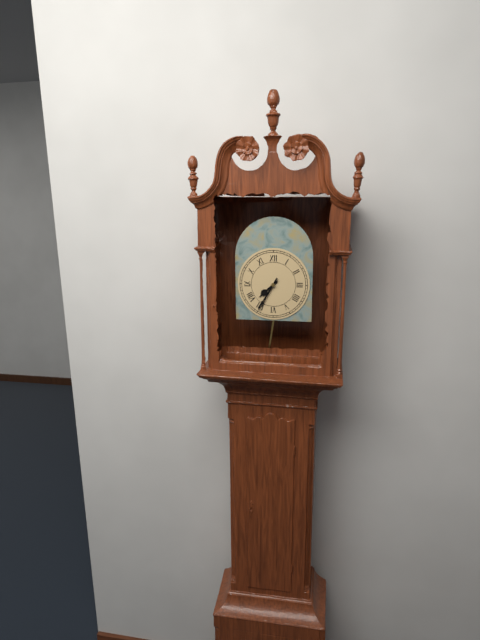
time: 7:35
